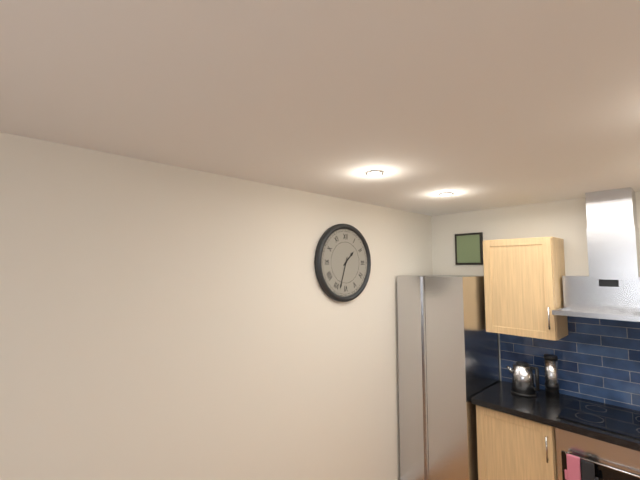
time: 1:33
